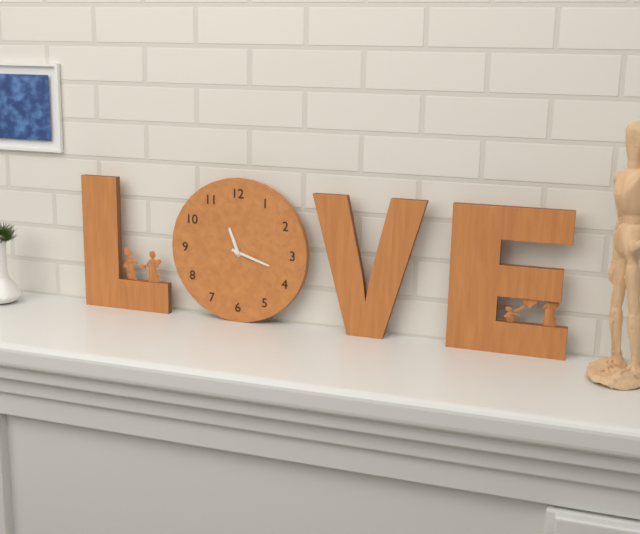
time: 11:18
